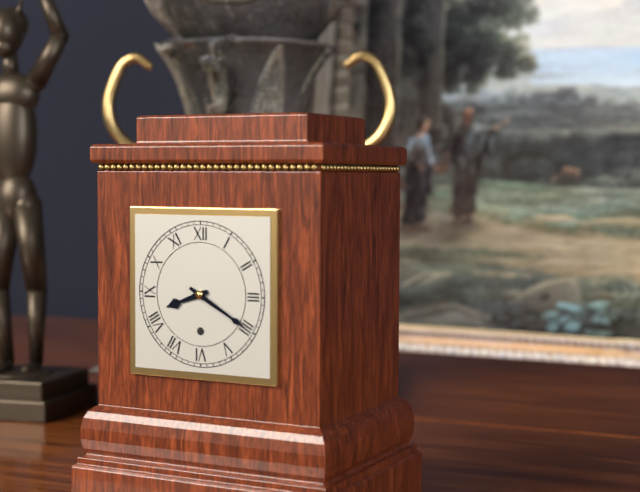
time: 8:20
